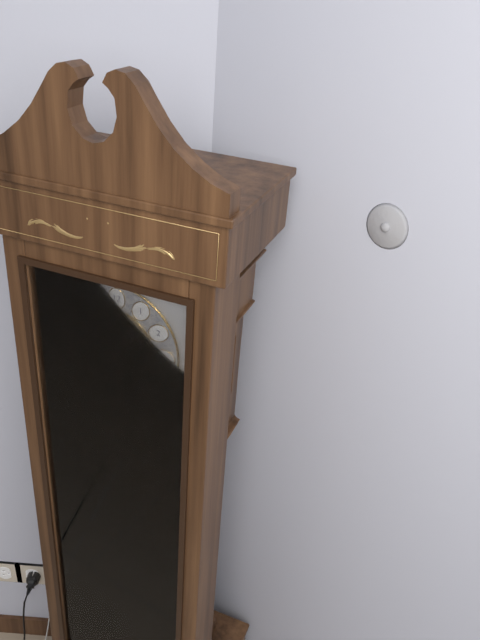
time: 1:35
